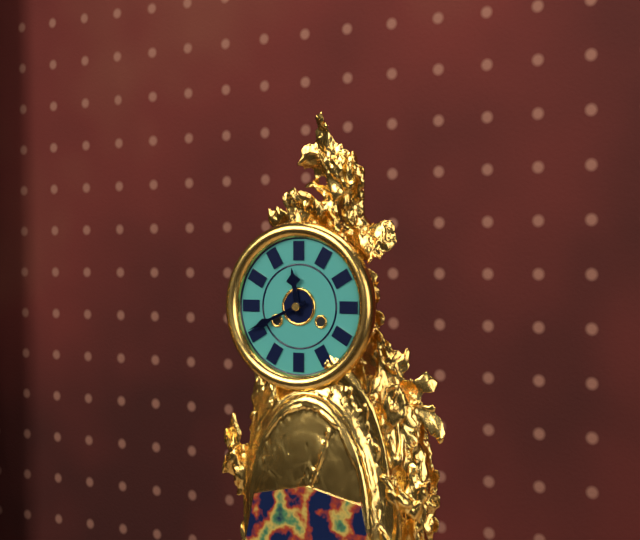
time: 11:41
